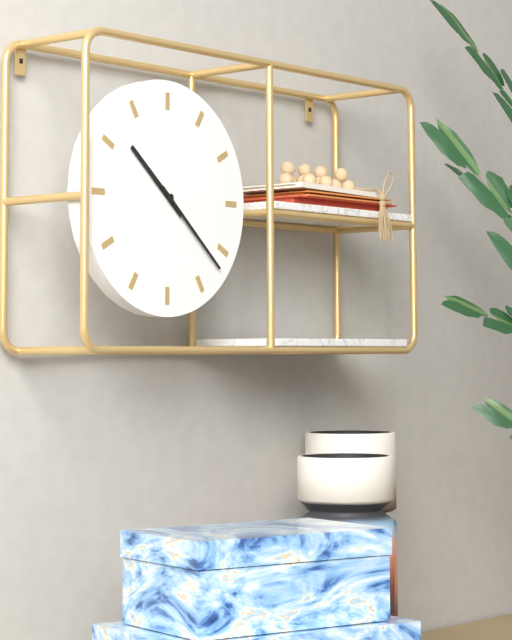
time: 10:22
